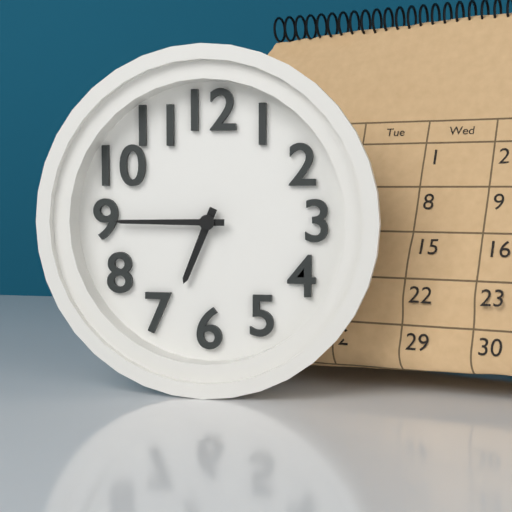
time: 6:45
